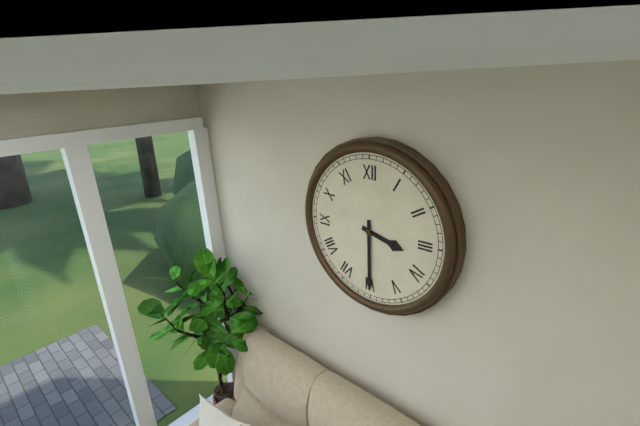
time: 3:30
